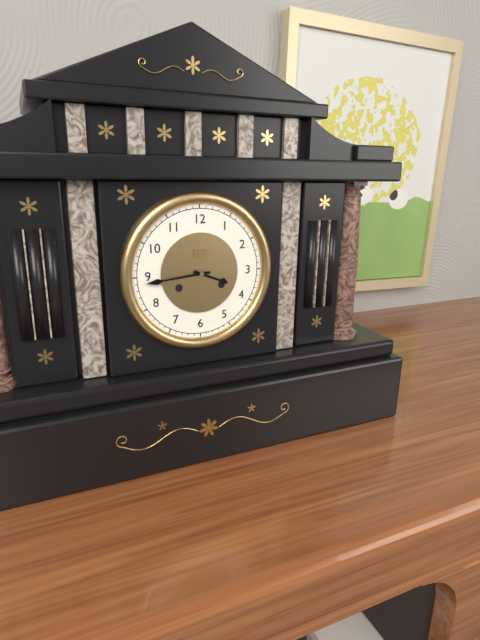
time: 3:44
